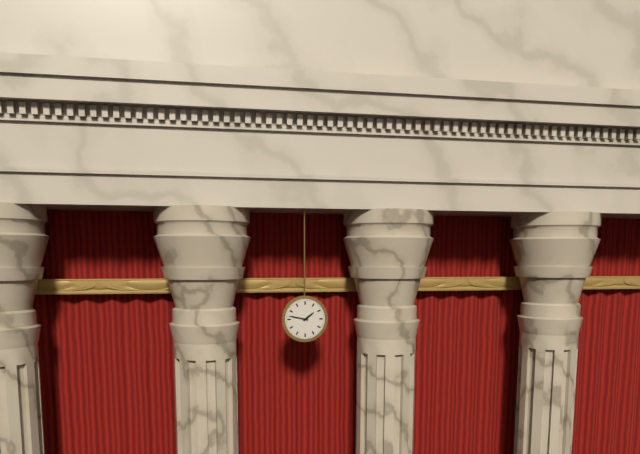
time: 1:47
